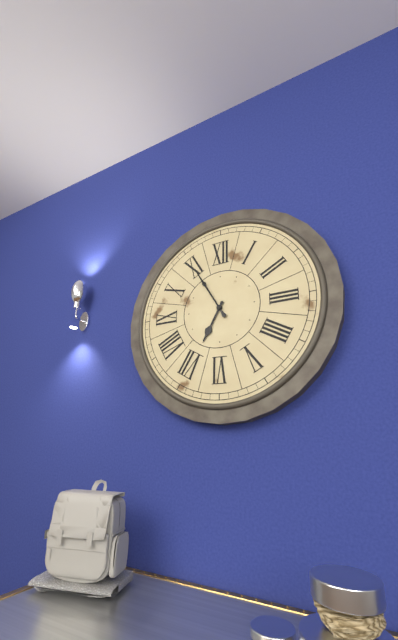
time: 6:55
